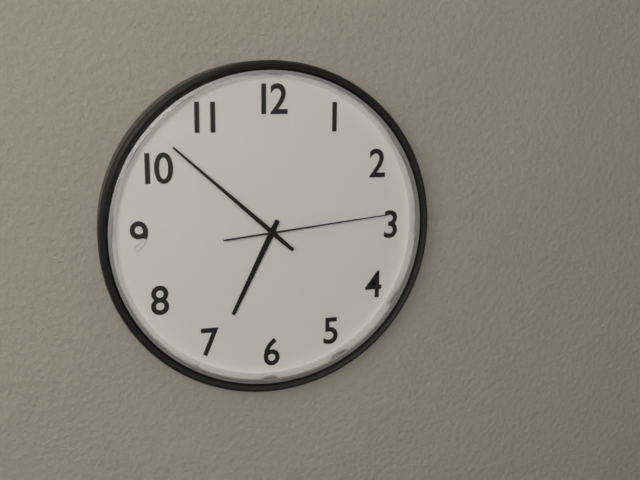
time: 6:52:14
